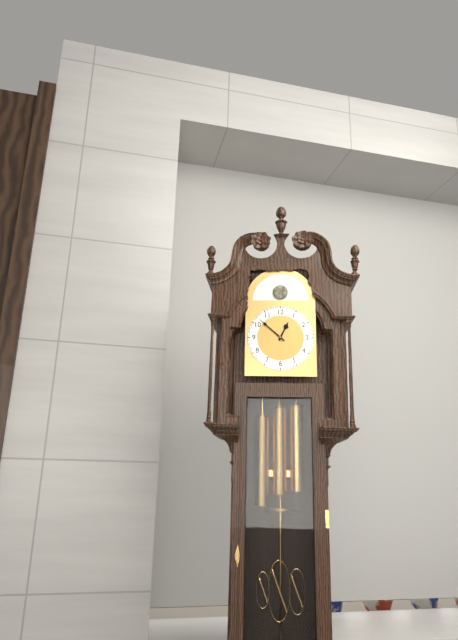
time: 12:52
